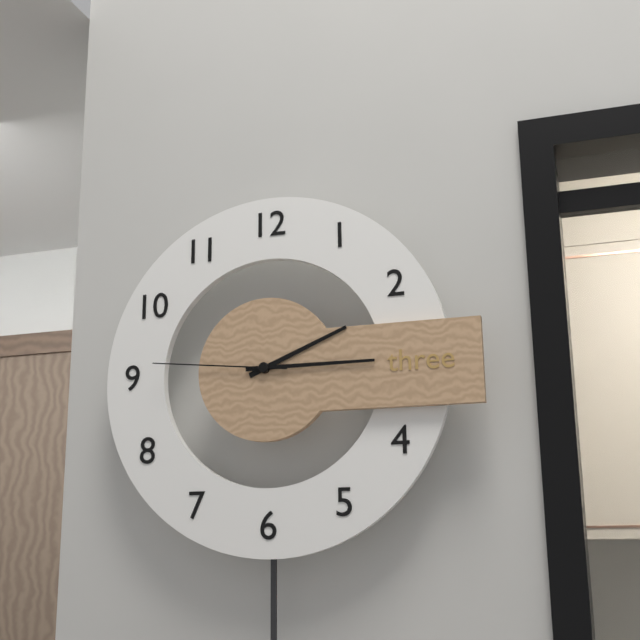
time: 2:15:46
